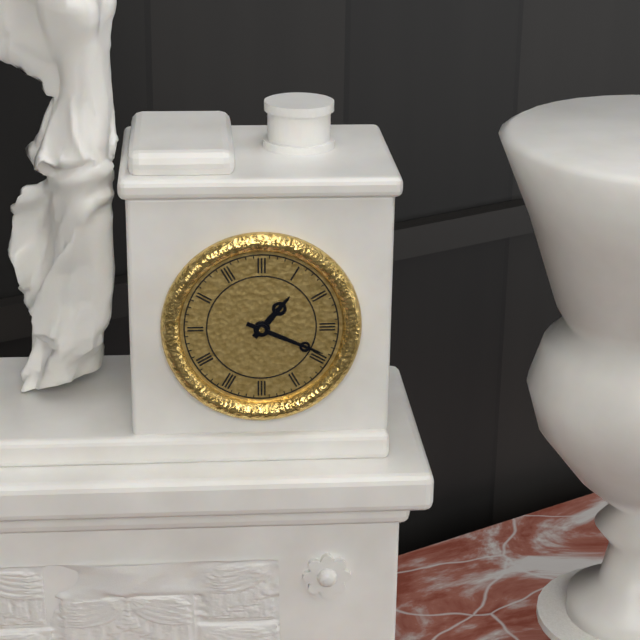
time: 1:19
